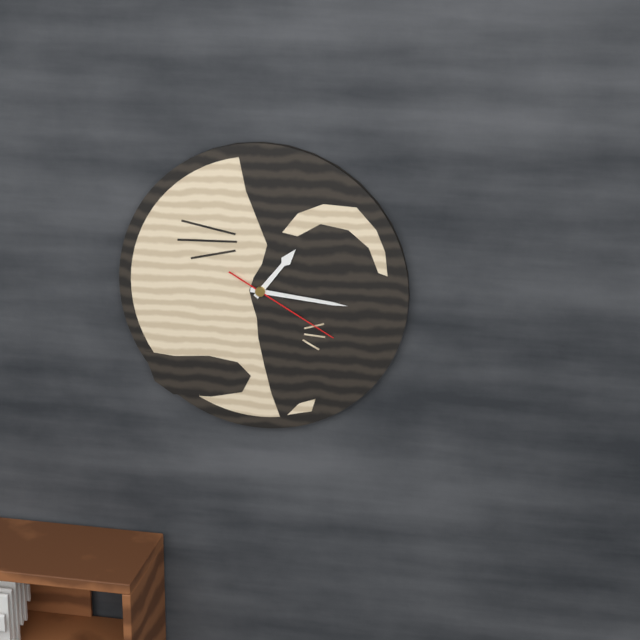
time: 1:16:20
